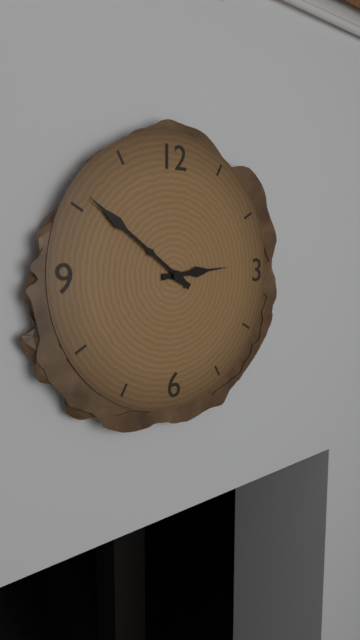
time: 2:51
